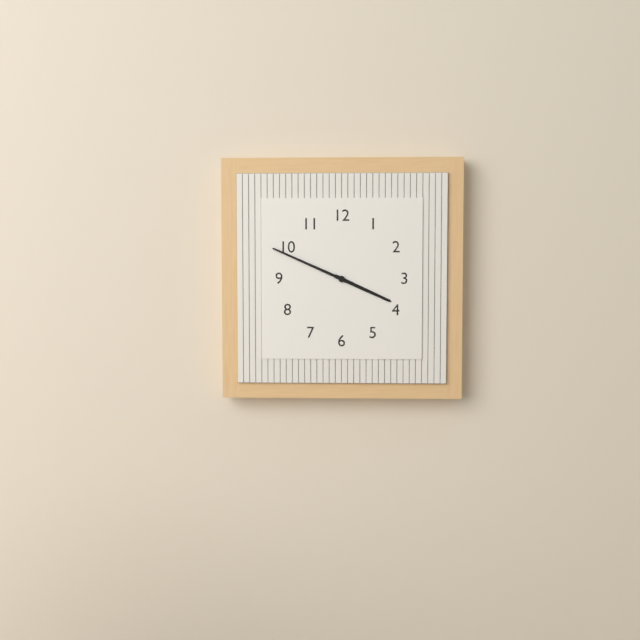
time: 3:49
